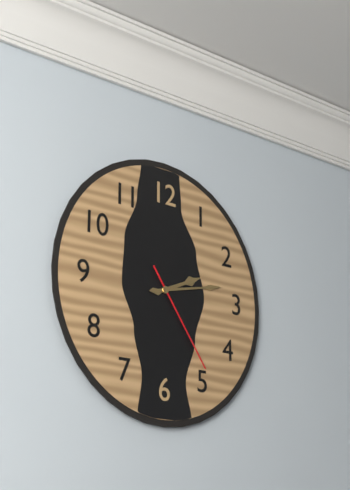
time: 2:13:24
